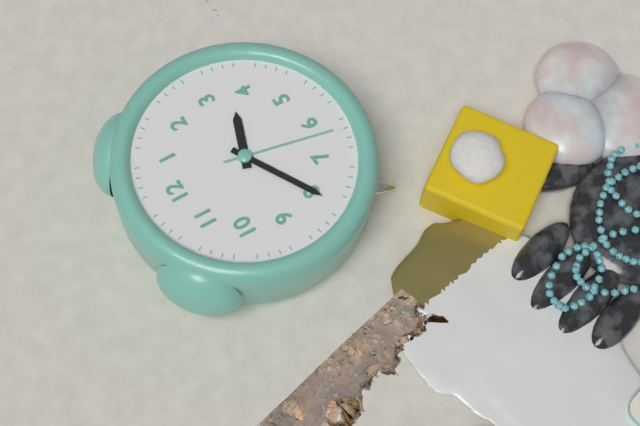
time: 3:40:32
